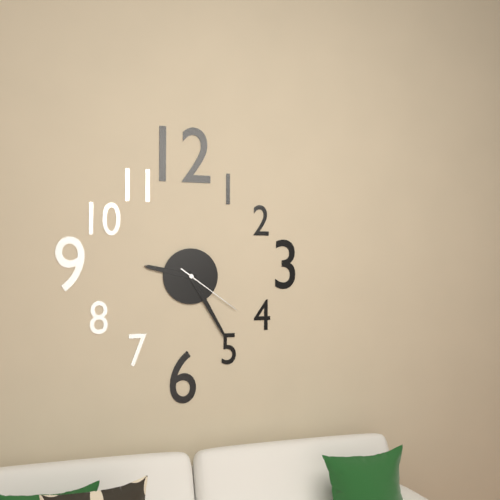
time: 9:25:21
